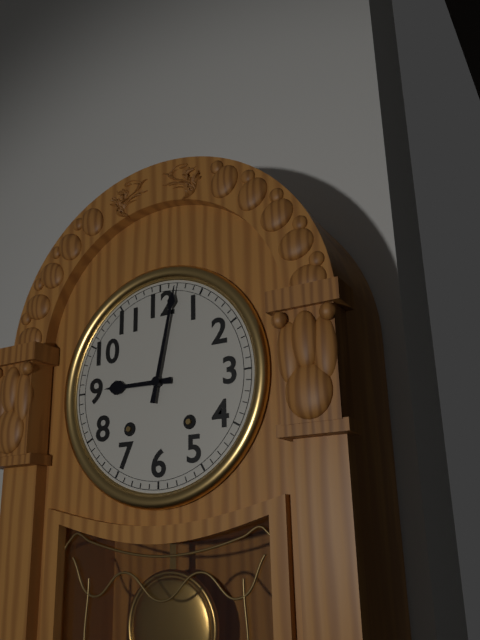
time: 9:02
